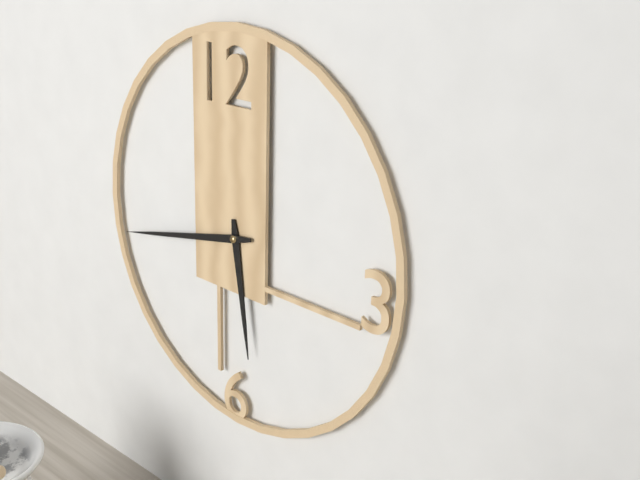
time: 5:43
